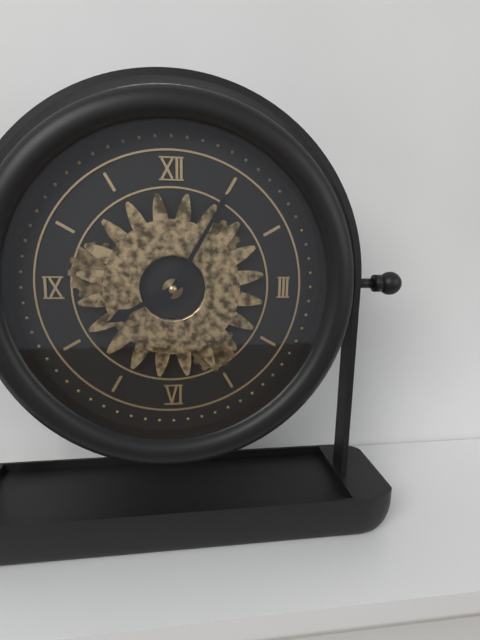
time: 8:05
